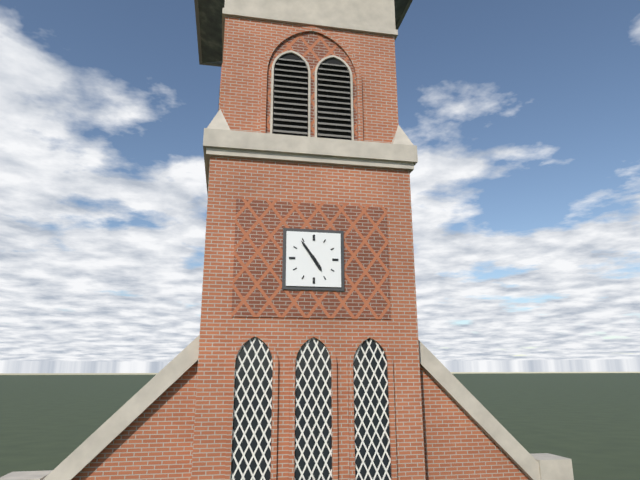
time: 4:54
